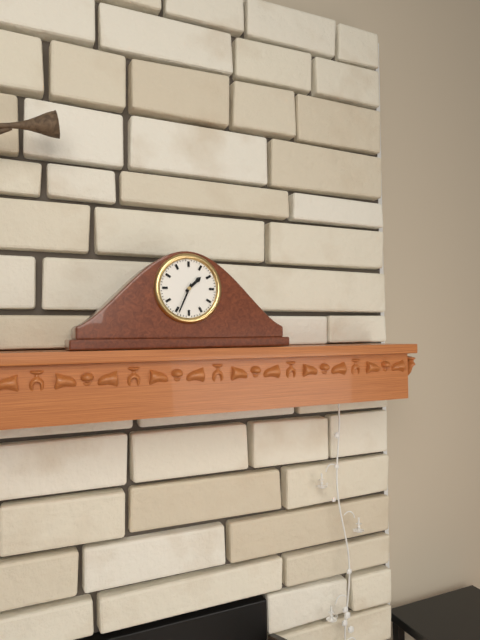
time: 1:34
